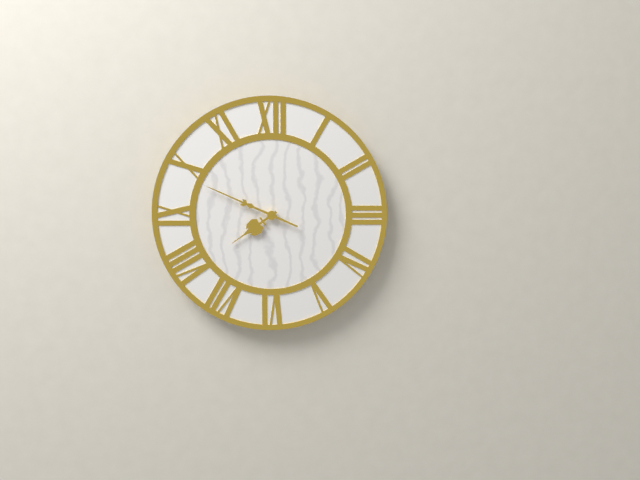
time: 7:49
